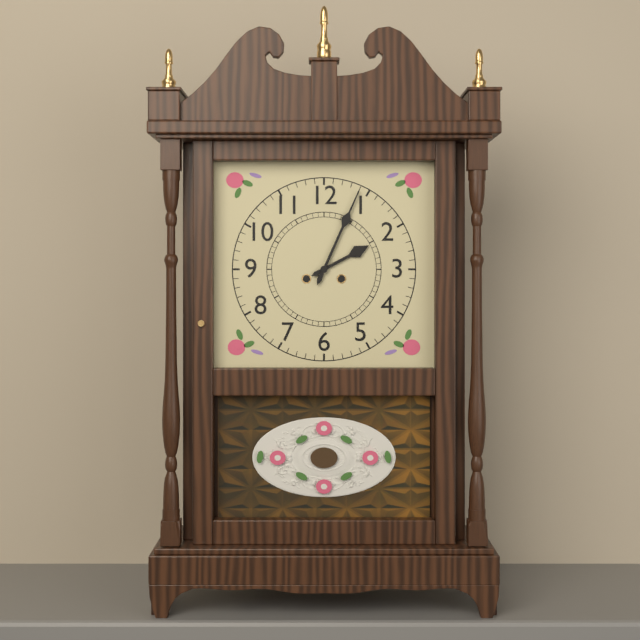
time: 2:04
